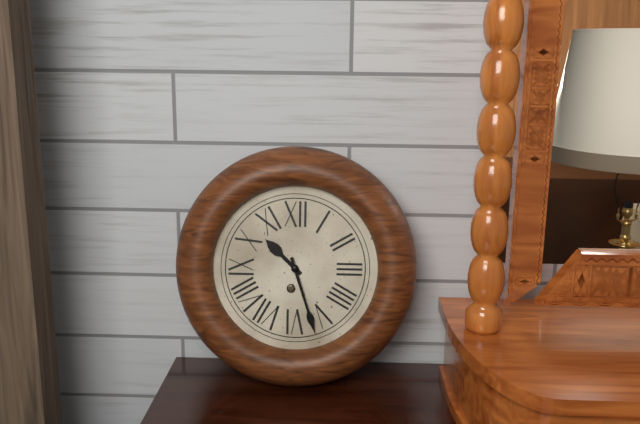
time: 10:27
